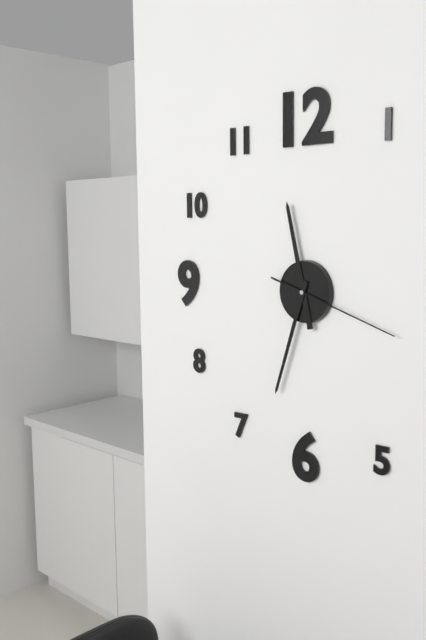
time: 11:33:18
